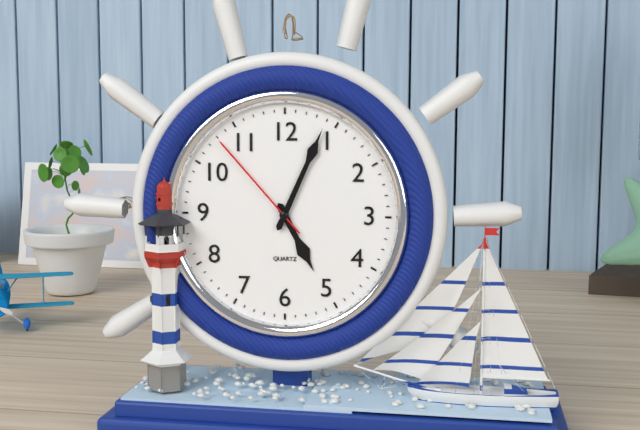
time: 5:04:53
